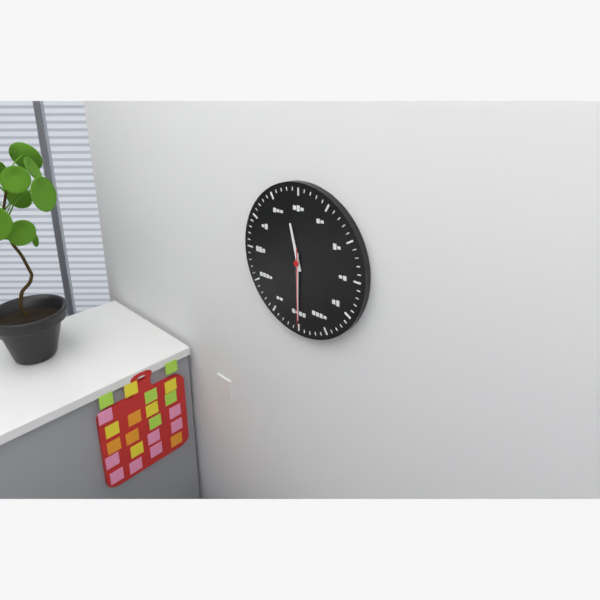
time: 11:30:30
